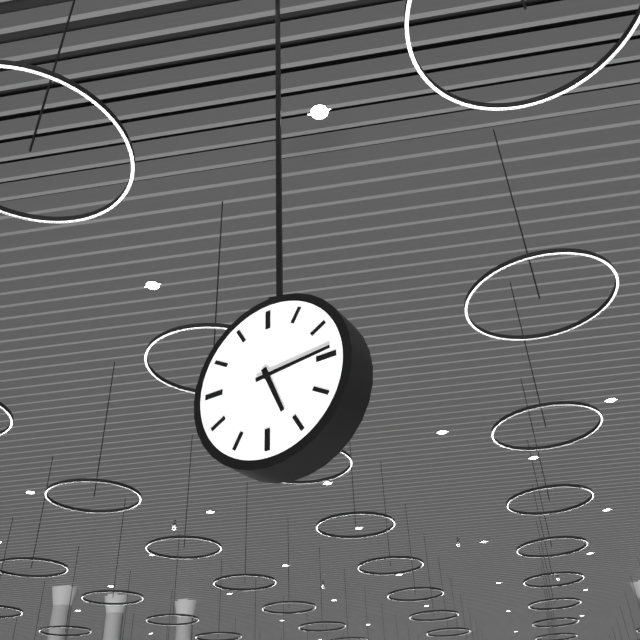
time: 5:14
